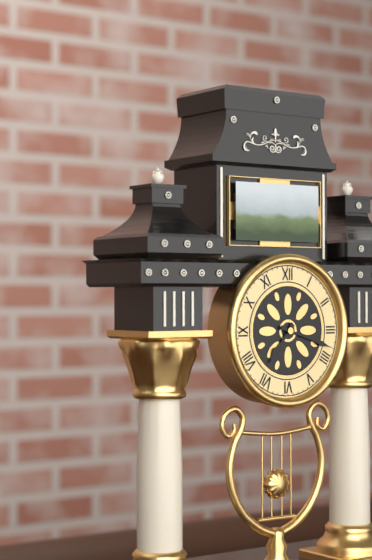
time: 7:18
